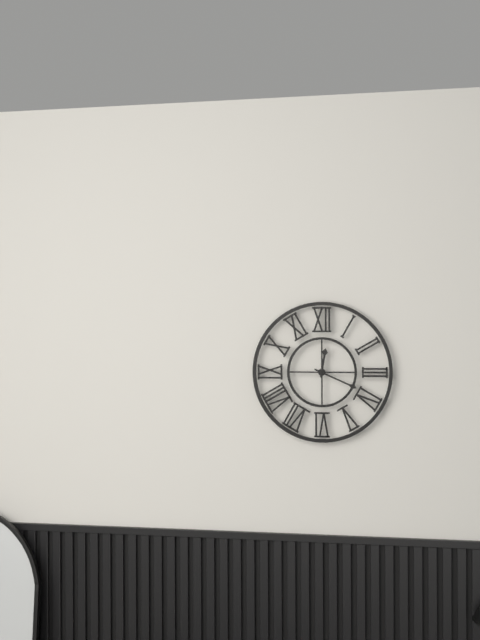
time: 12:19
